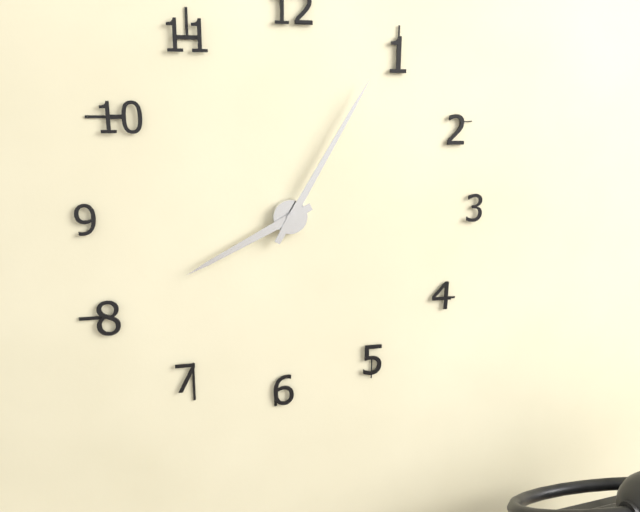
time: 8:05
